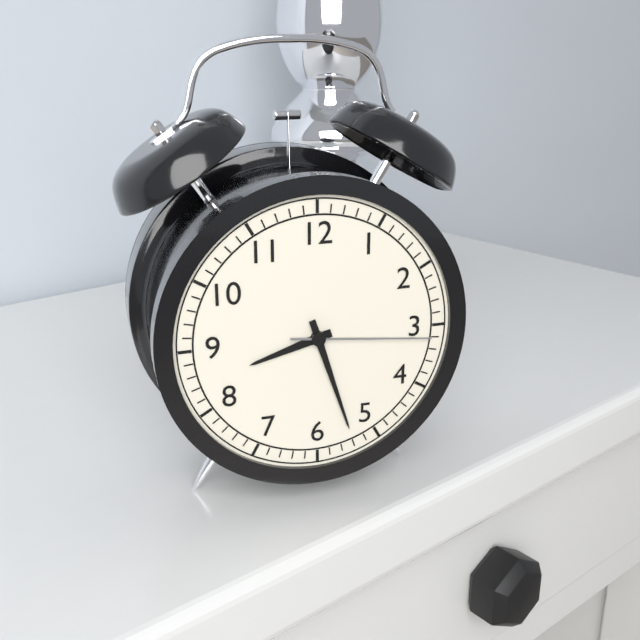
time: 8:27:16
